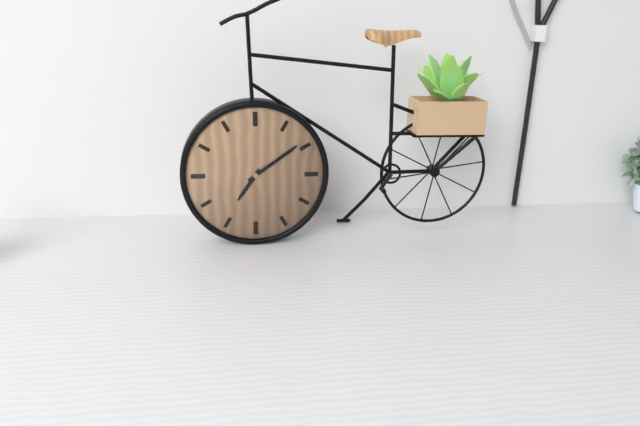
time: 7:09
